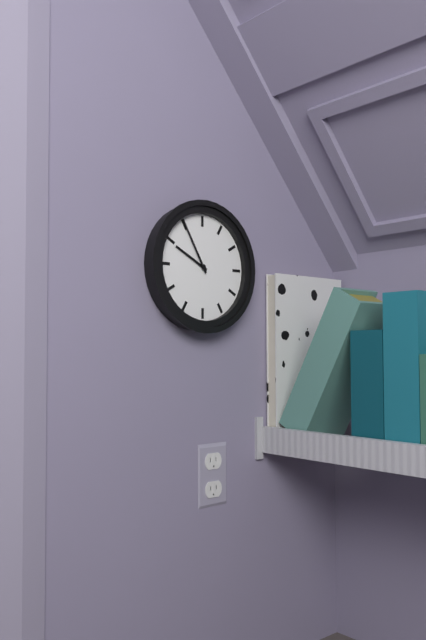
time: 9:55
